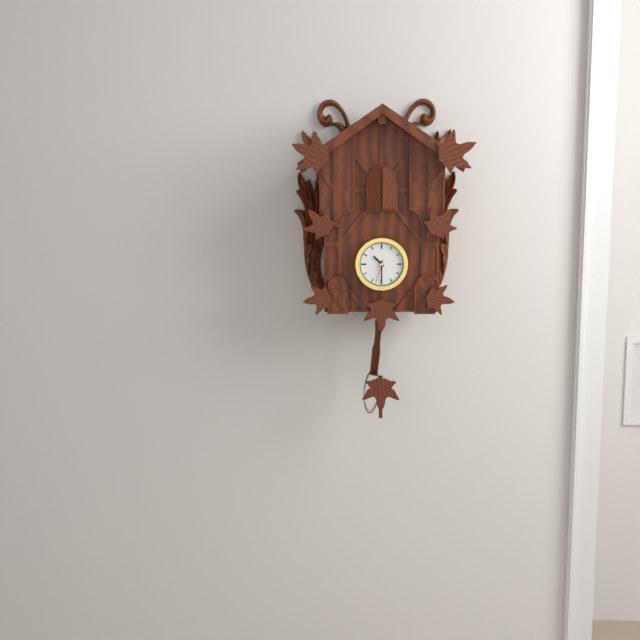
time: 10:30
